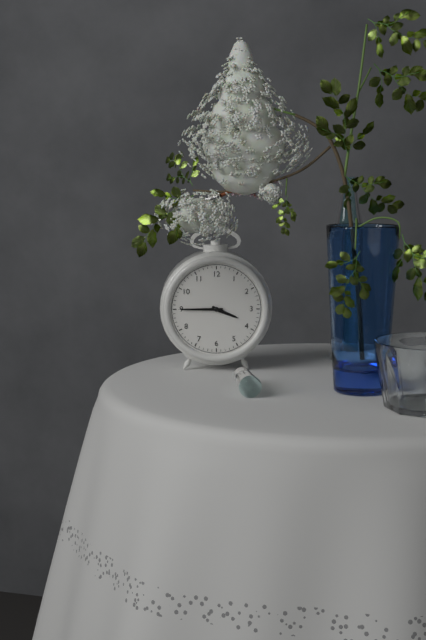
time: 3:45
